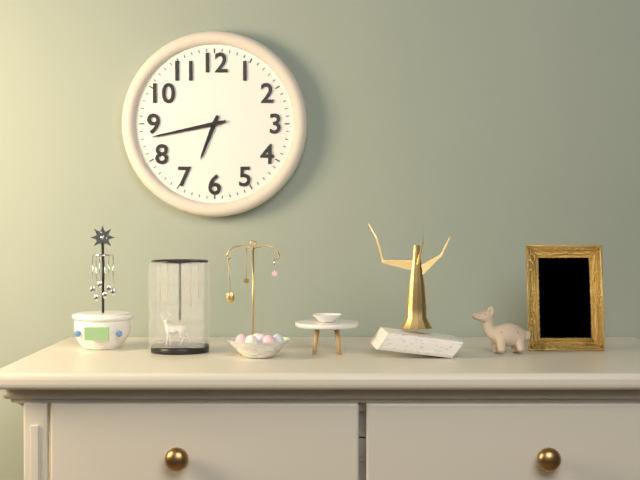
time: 6:43
